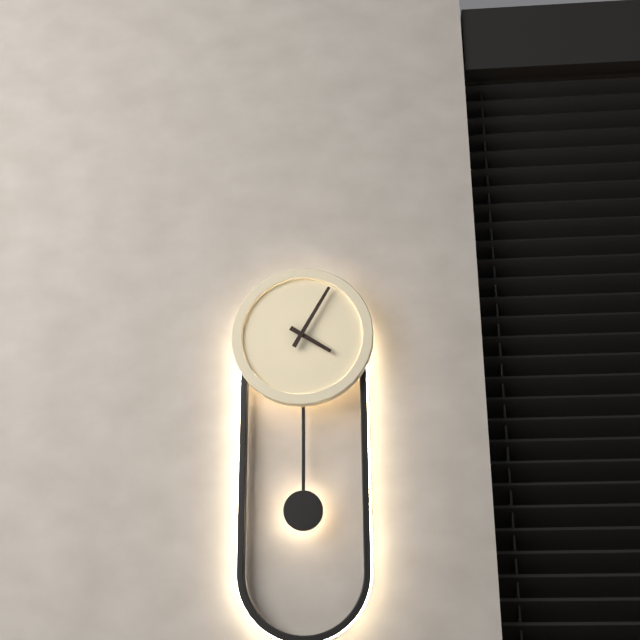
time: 4:05
